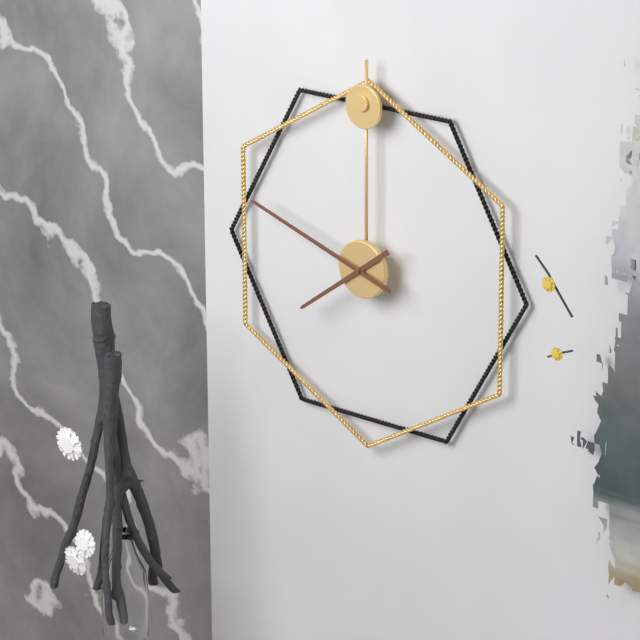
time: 7:48
